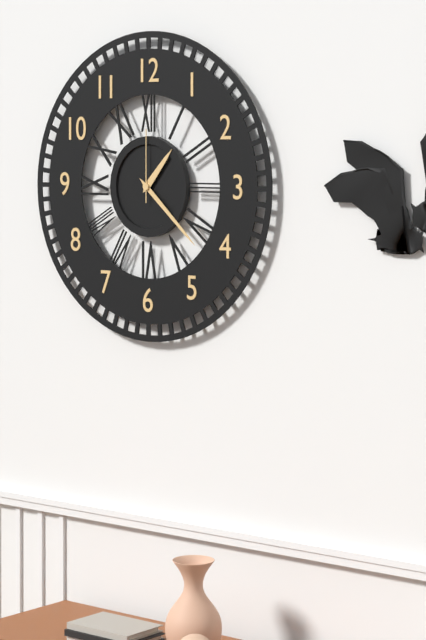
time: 1:22:00
